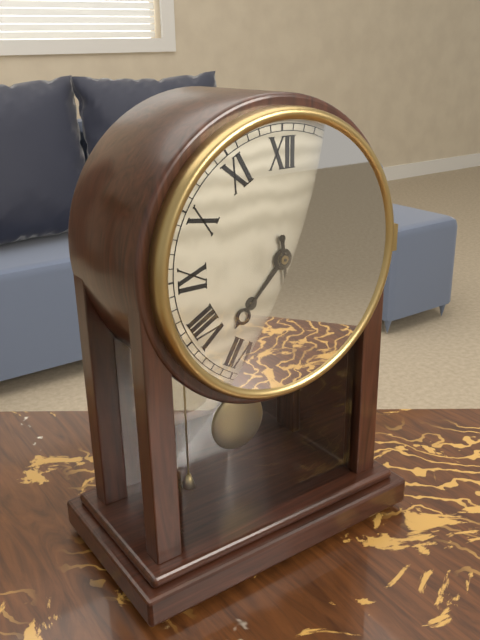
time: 7:29
